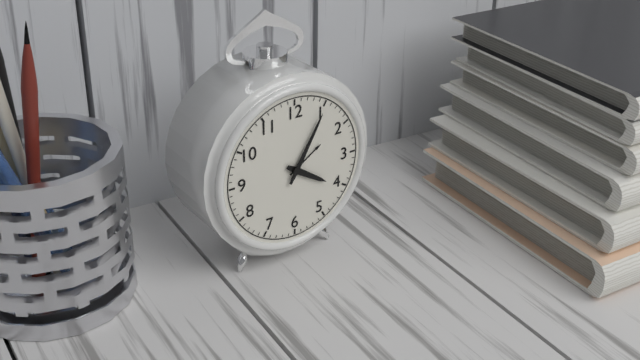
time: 4:05
